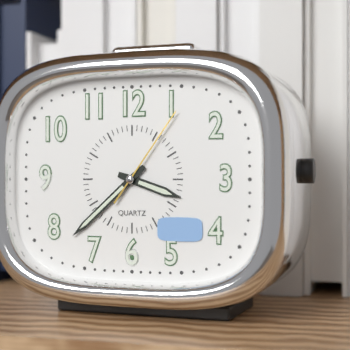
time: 3:38:06
